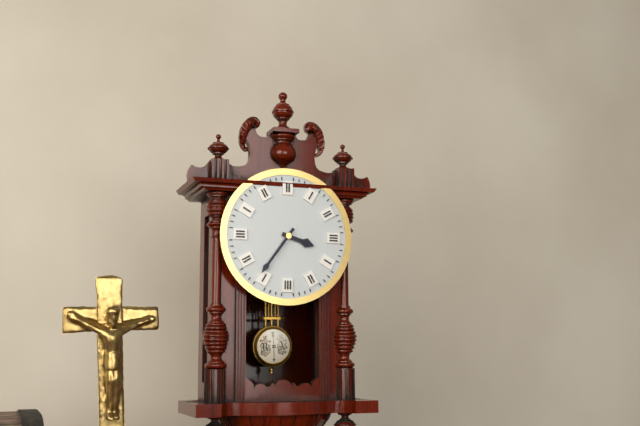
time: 3:36
